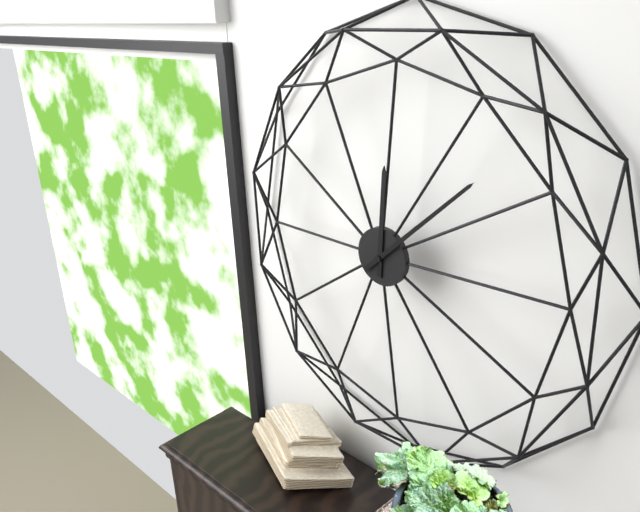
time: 12:08
